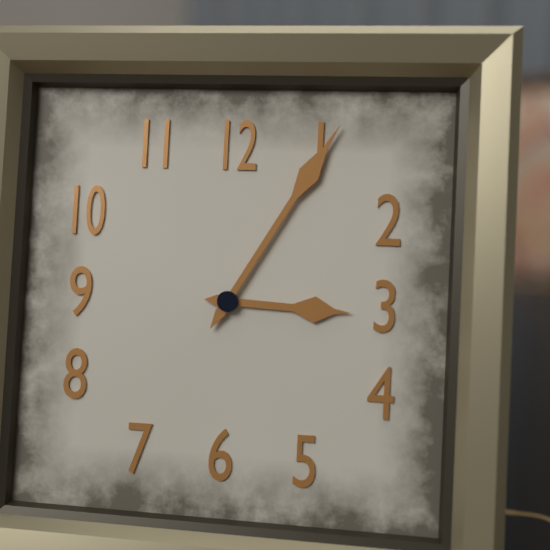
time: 3:05
